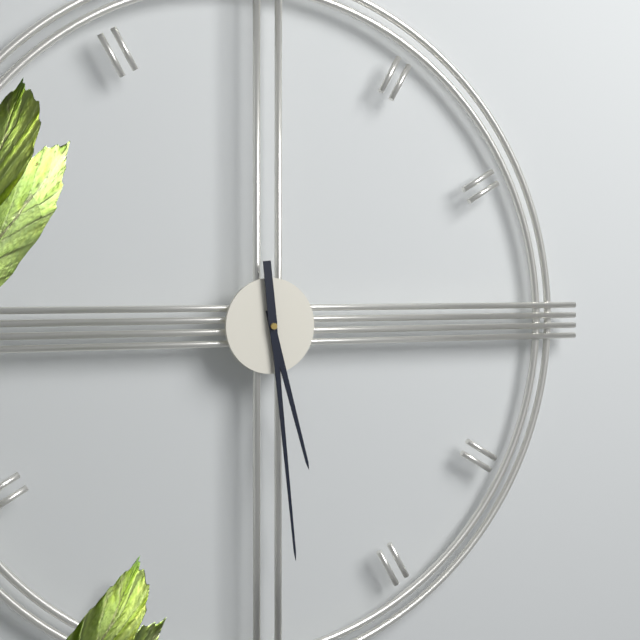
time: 5:29
